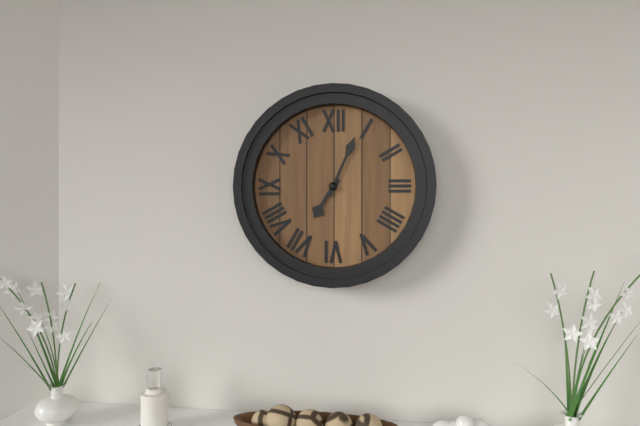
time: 7:04
